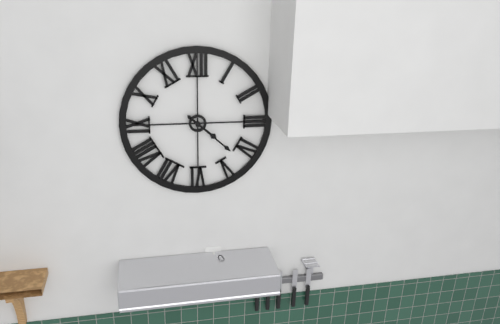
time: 4:22
